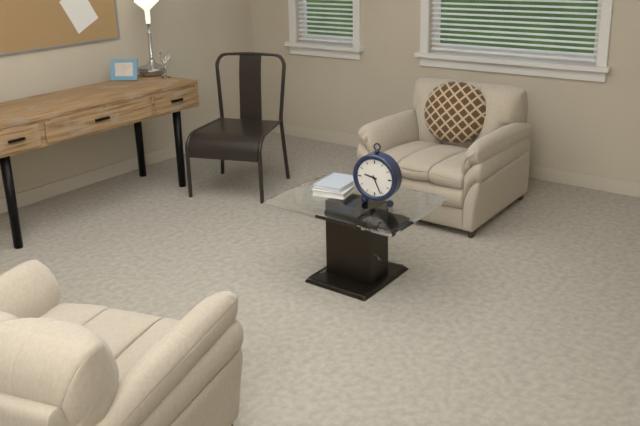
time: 9:26
